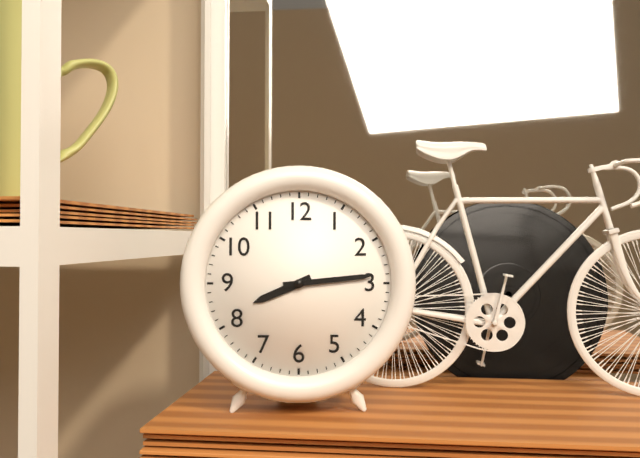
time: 8:14
